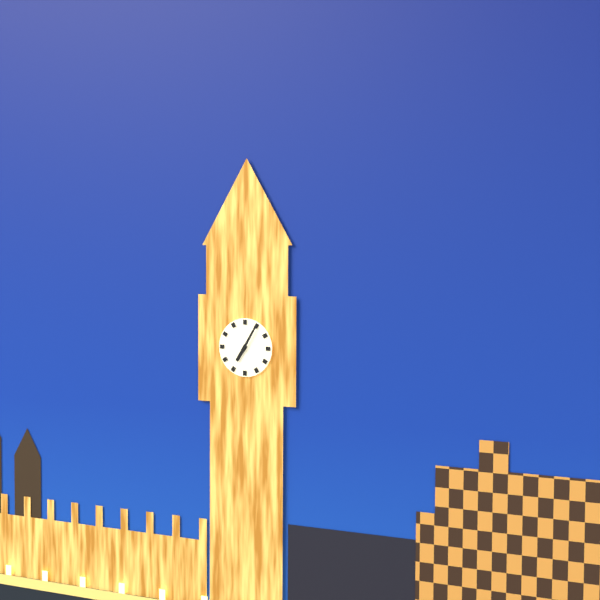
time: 7:05
